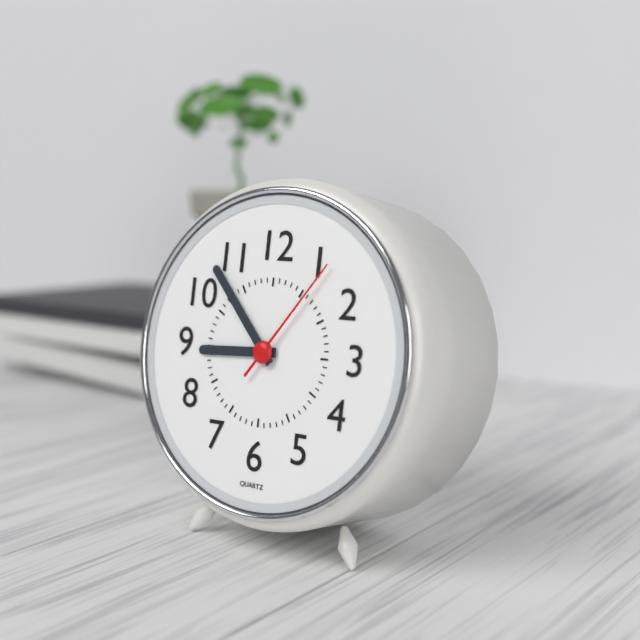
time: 8:53:06
